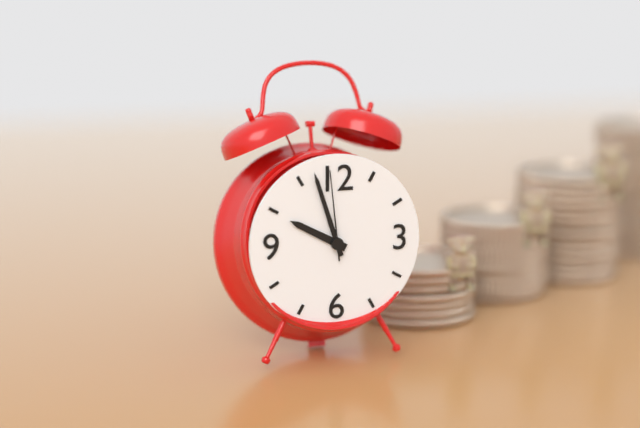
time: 9:57:59
